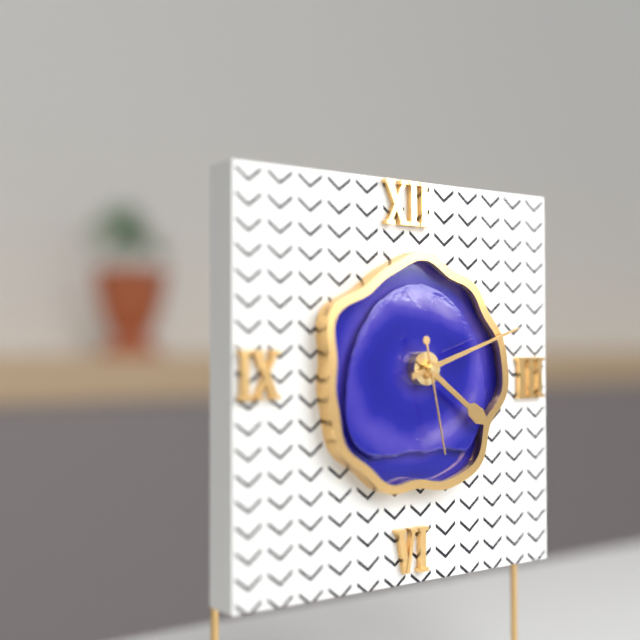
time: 4:12:28
